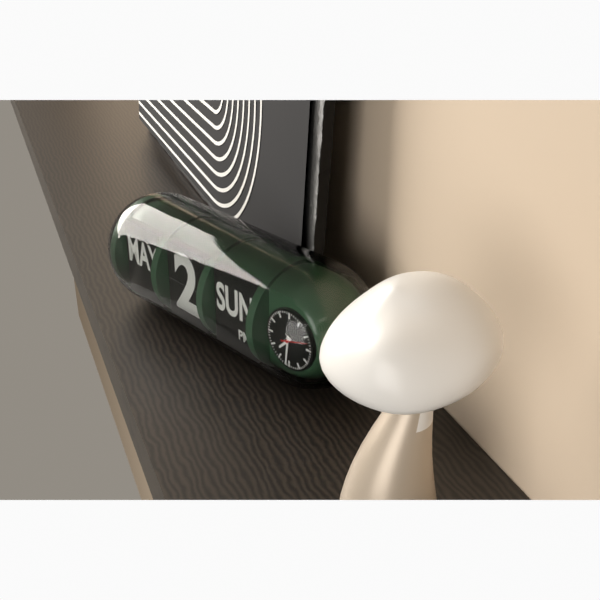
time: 7:31
